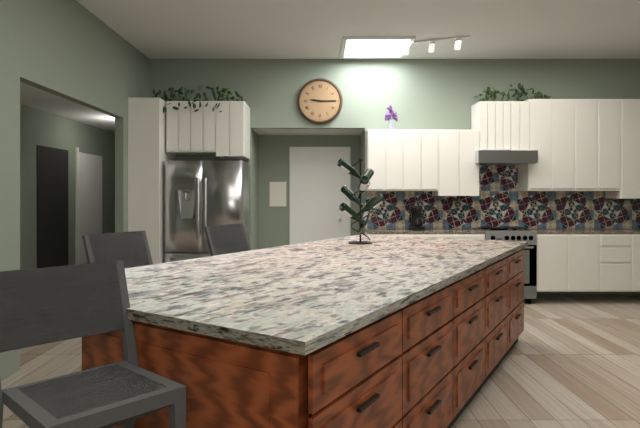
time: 9:15
